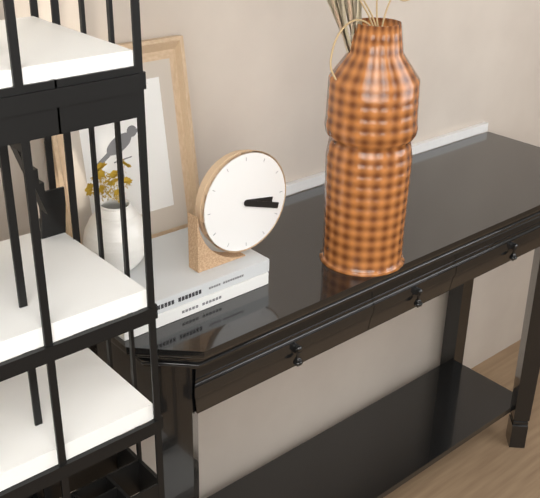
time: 3:18
